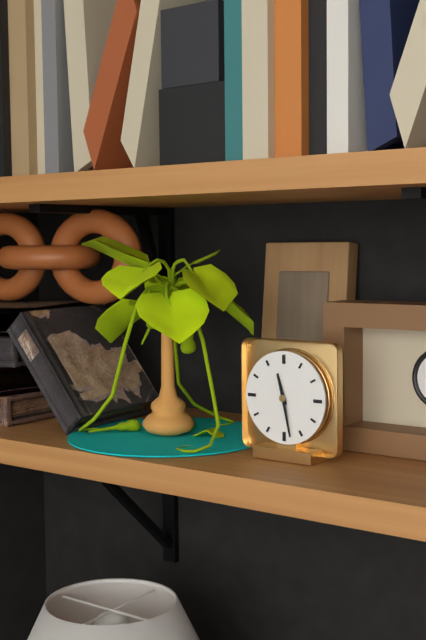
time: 11:28
